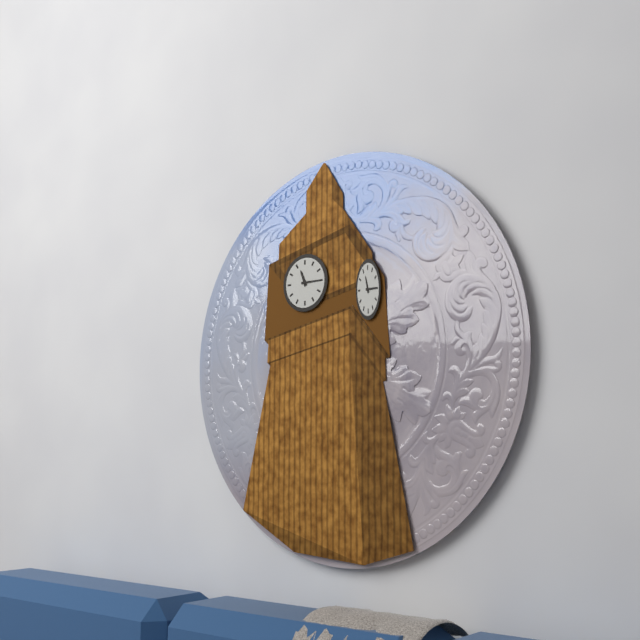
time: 11:15
